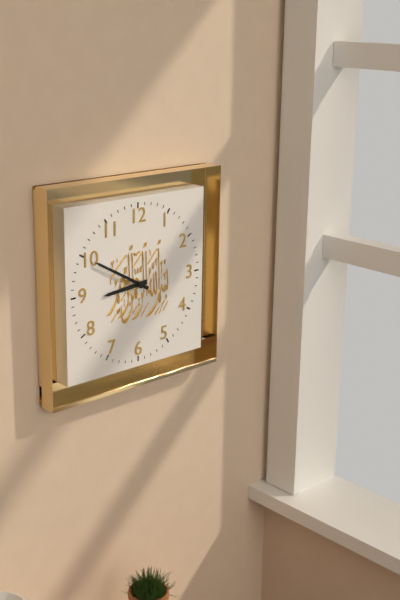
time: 8:50
